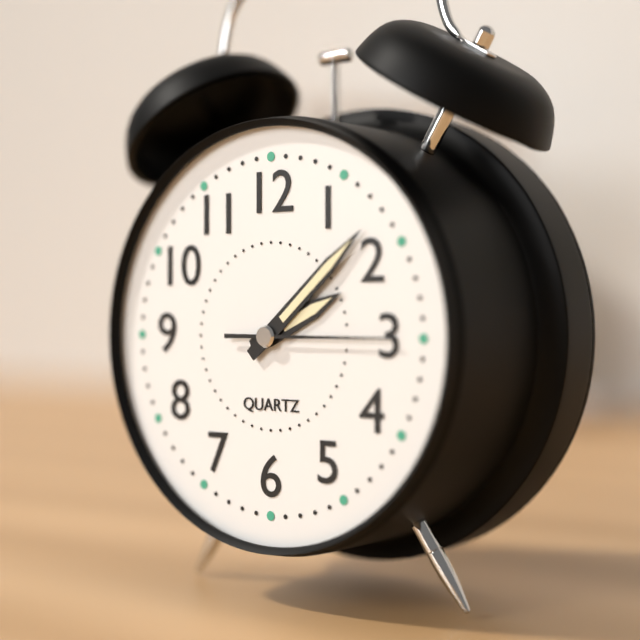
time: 2:08:15
